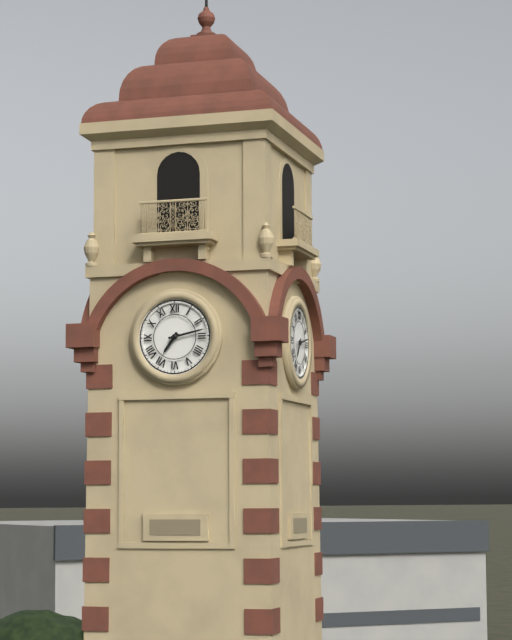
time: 7:13
